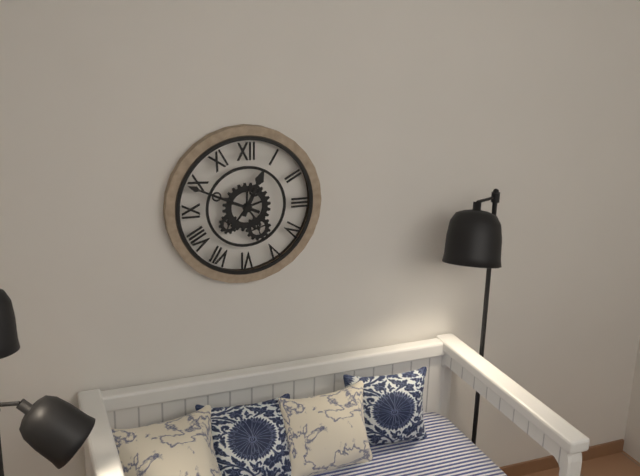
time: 12:49
